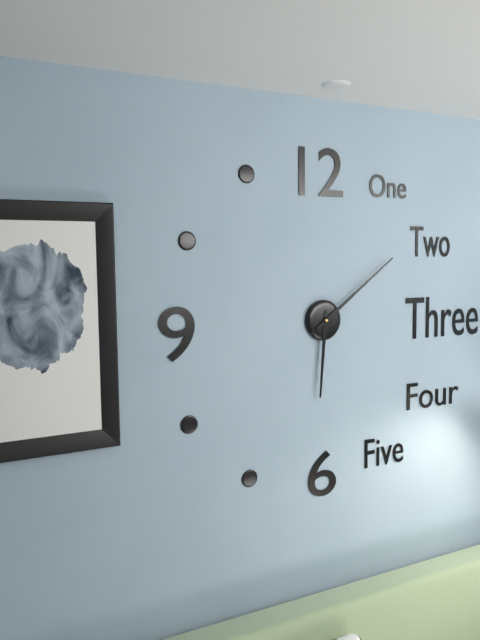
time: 6:09
